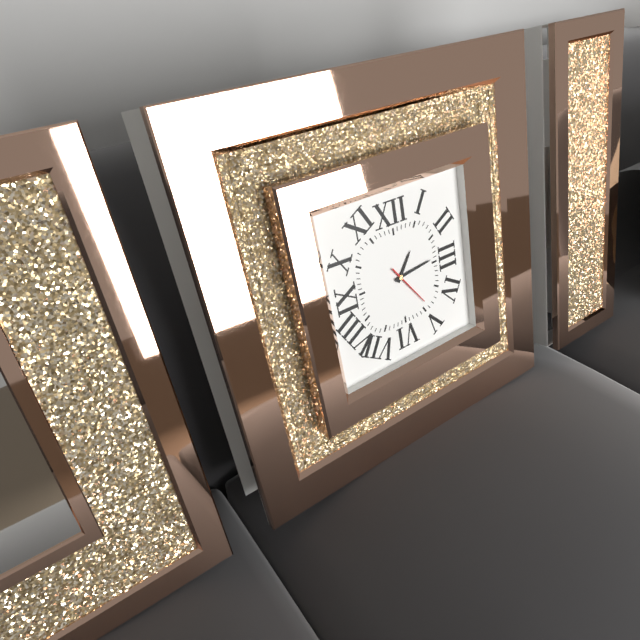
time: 1:14
